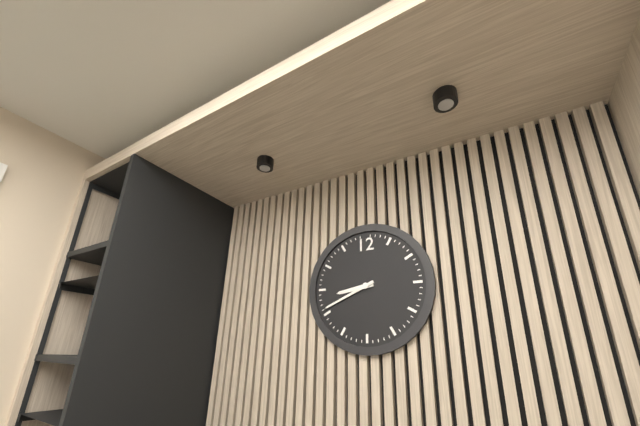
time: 8:41
